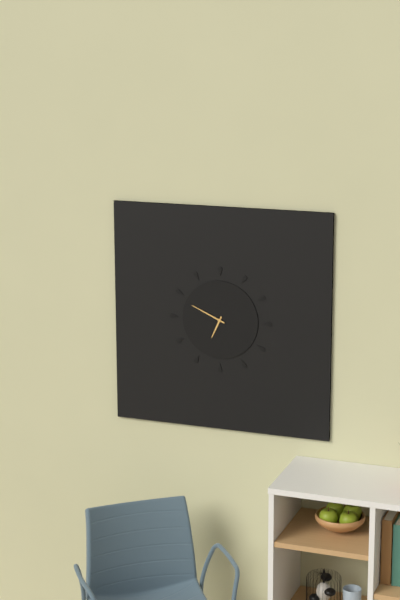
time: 6:49
